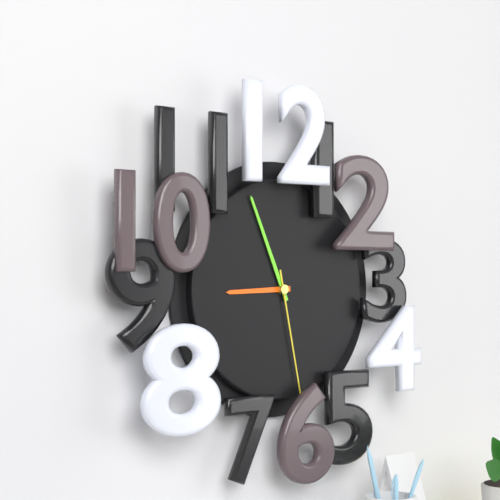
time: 8:56:28
